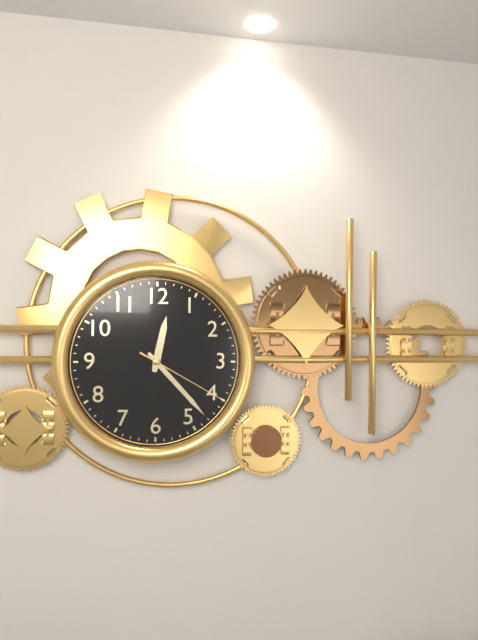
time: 12:23:20
